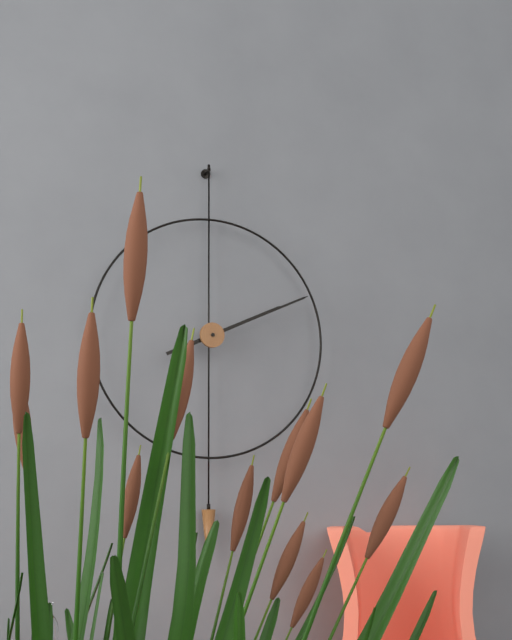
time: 2:11
